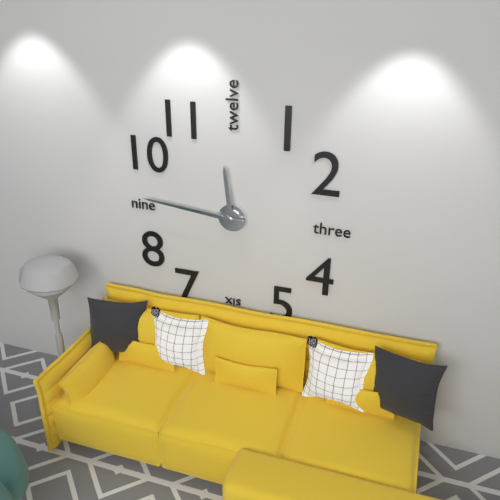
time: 11:46
